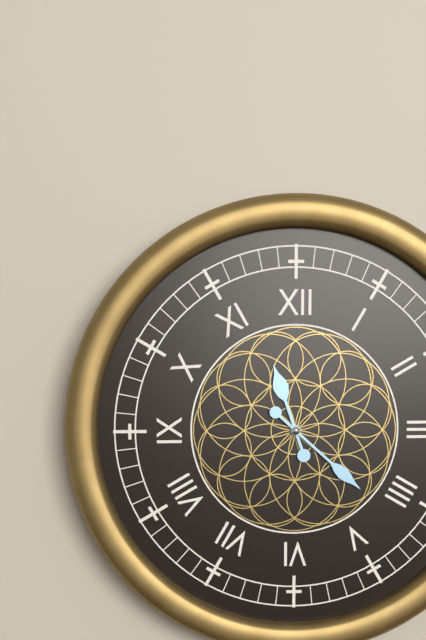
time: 11:22
